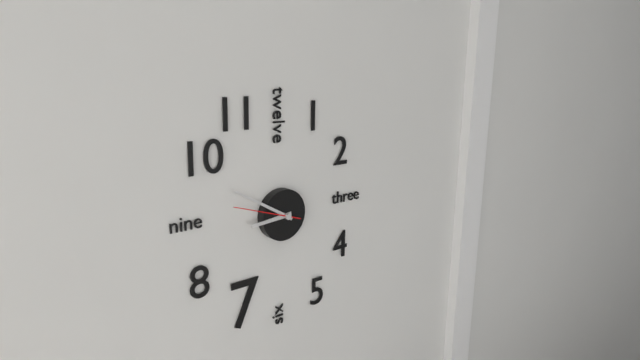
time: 8:50:48
